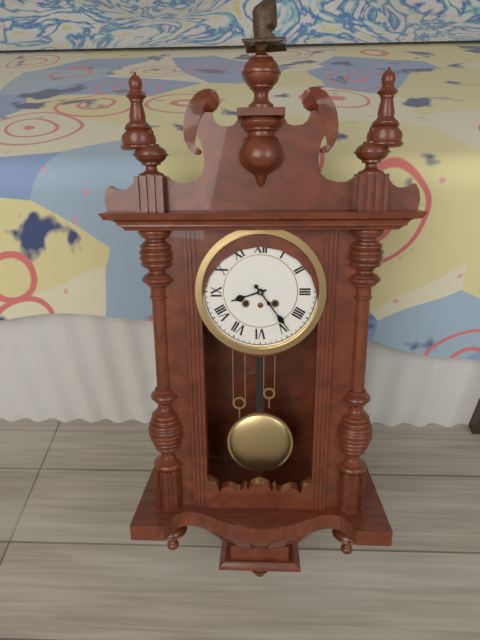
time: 8:24
